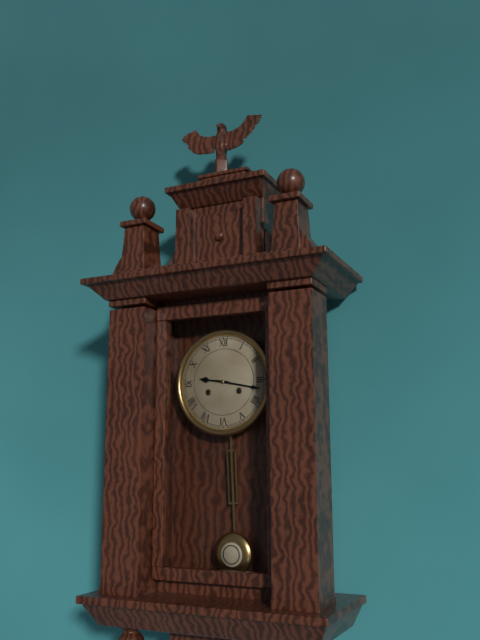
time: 9:17
